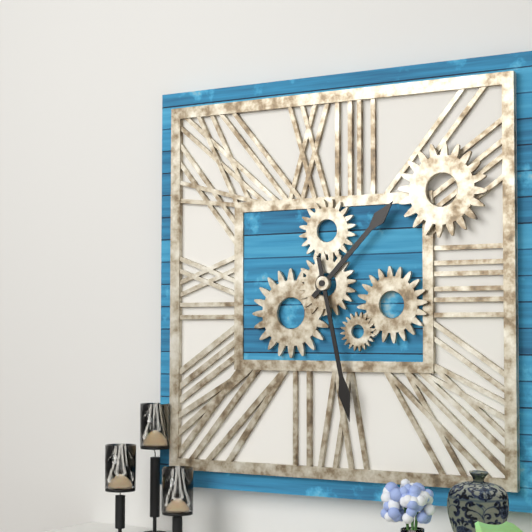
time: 1:28
